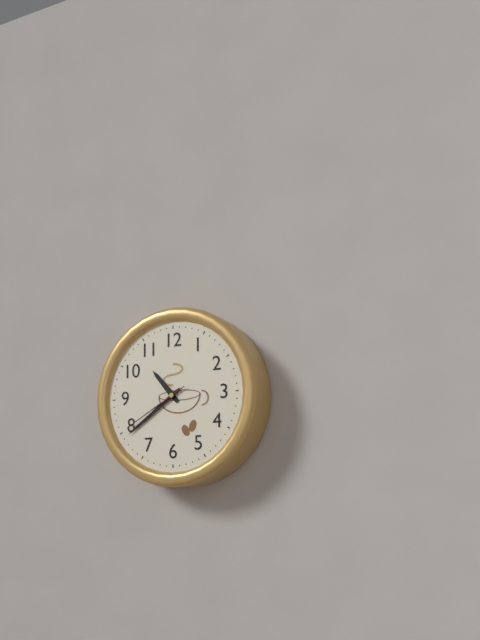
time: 10:39:40
